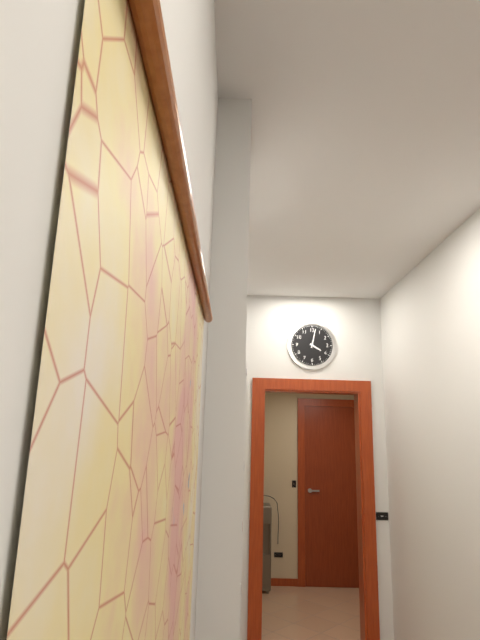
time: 4:02
